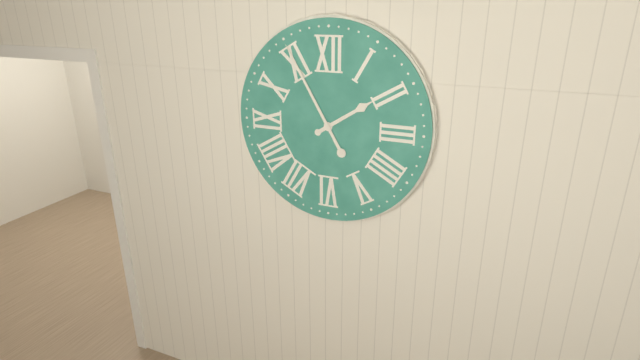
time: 1:55
